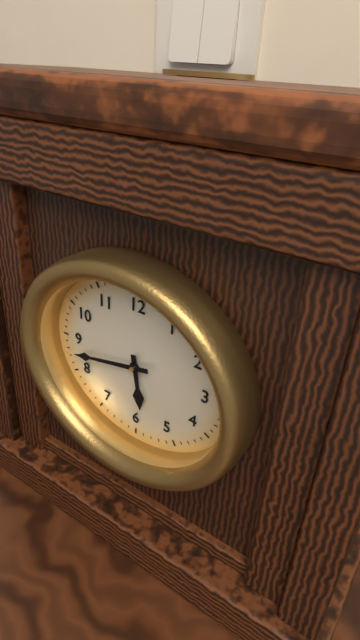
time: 5:43
